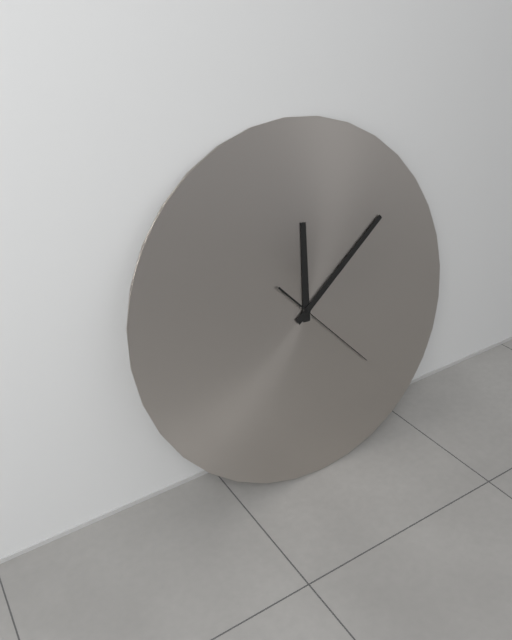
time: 12:09:23
